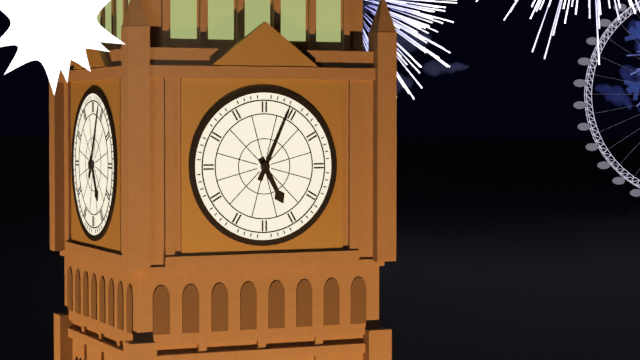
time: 5:04
